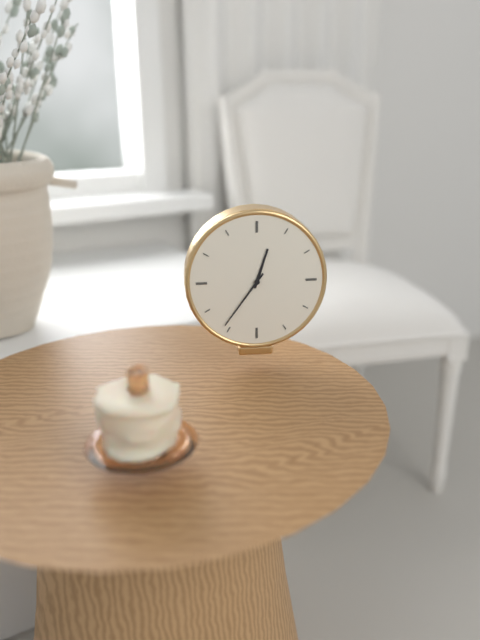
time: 12:36
